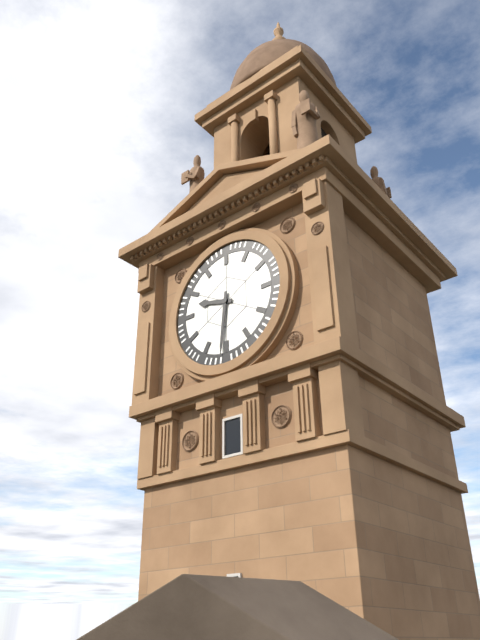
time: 9:31
